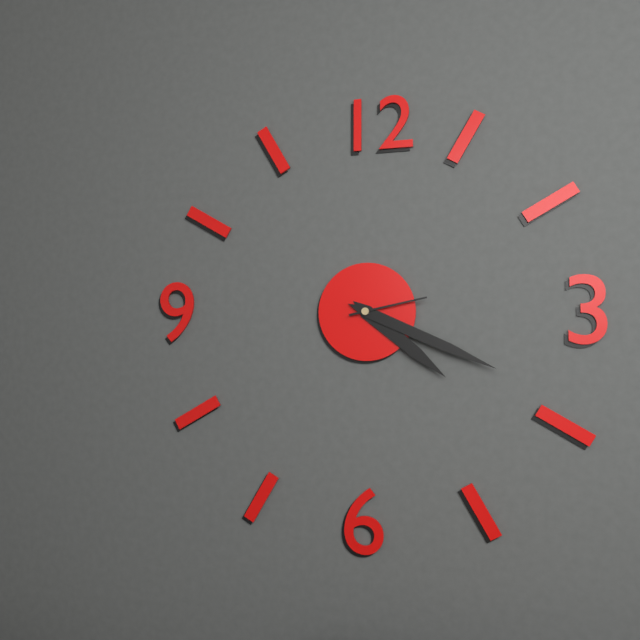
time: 4:19:13
